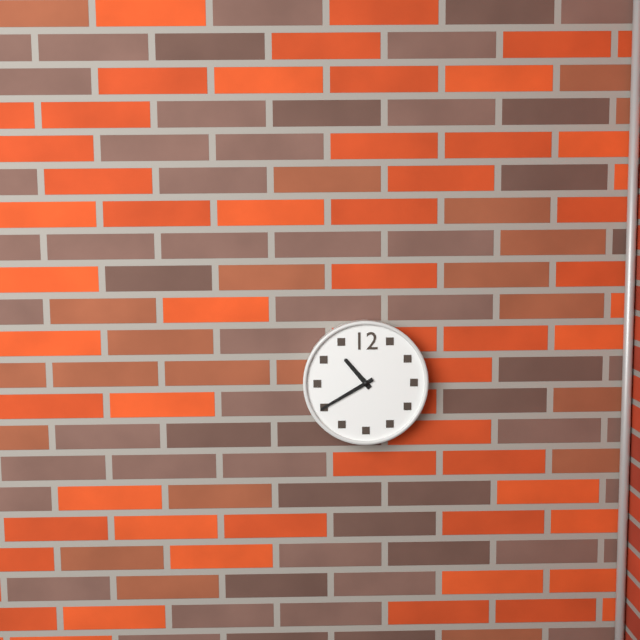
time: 10:40
